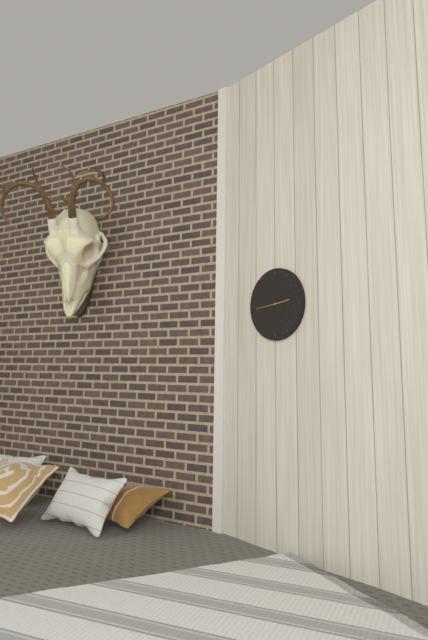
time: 2:44
